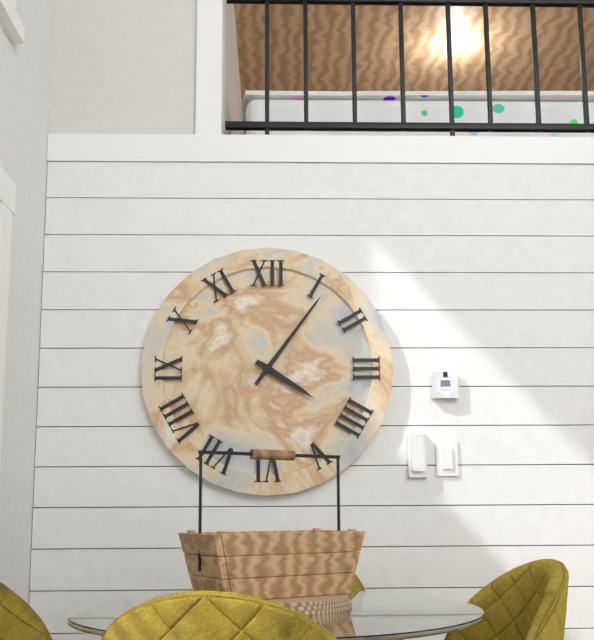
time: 4:06
